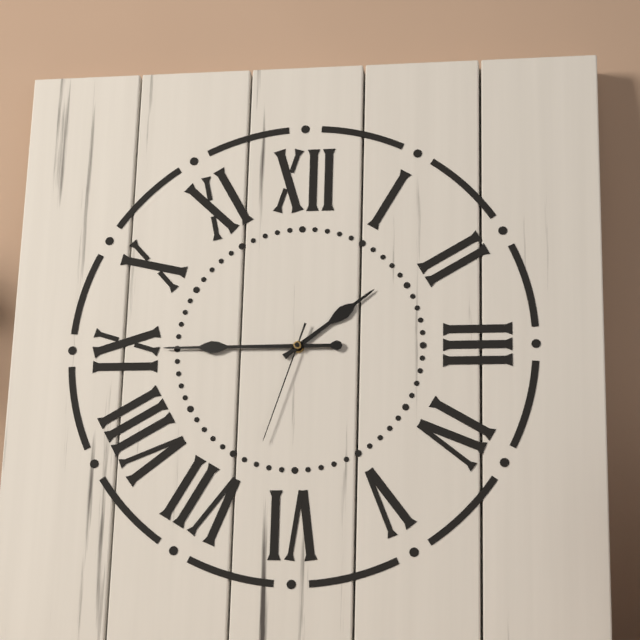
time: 1:45:33
